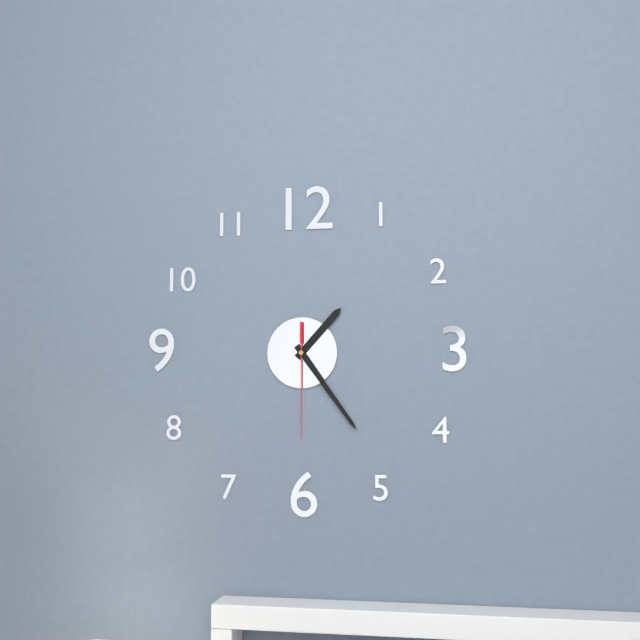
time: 1:24:30
